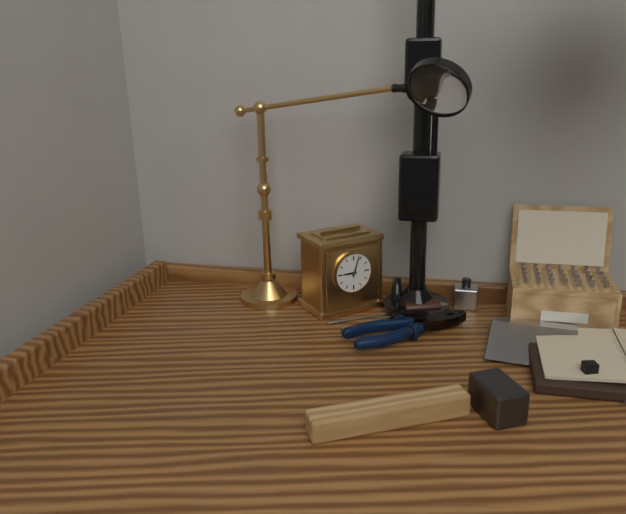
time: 9:03
